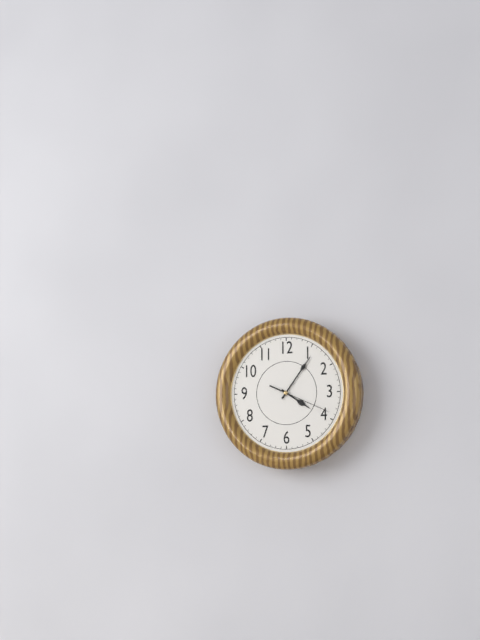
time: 4:06:19
